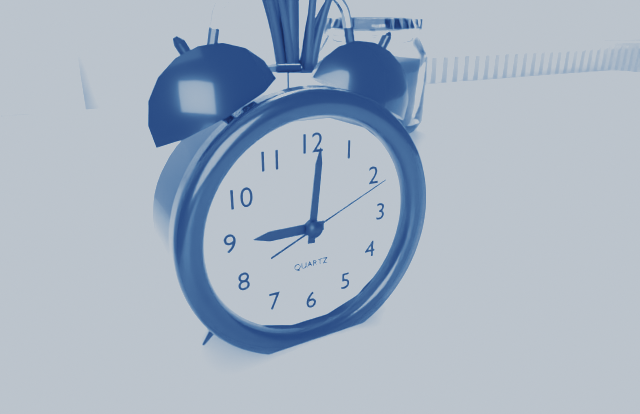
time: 9:01:11
